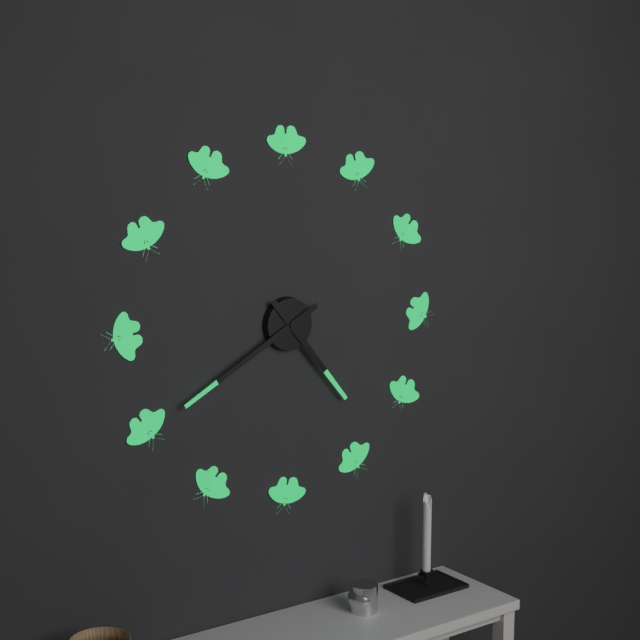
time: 4:40
